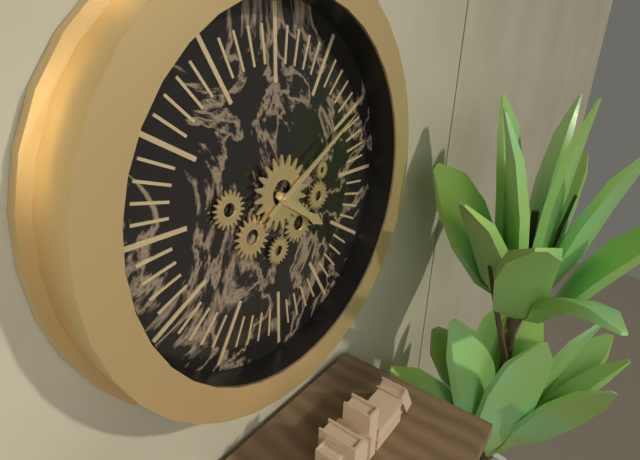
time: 4:10
